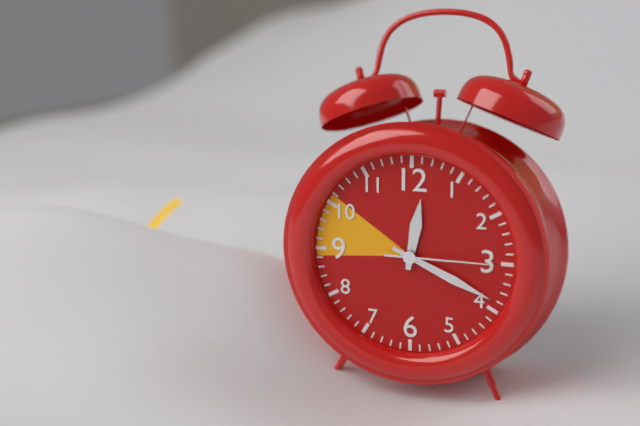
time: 12:19:15
